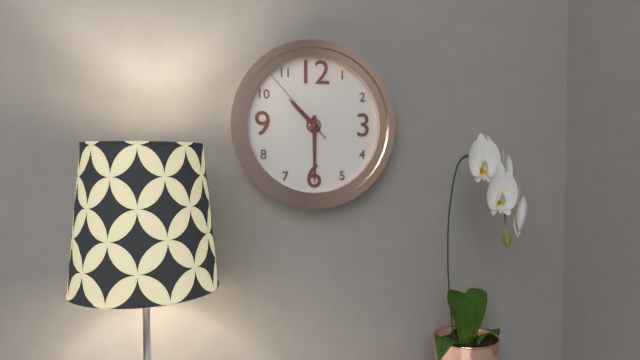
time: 10:30:53
